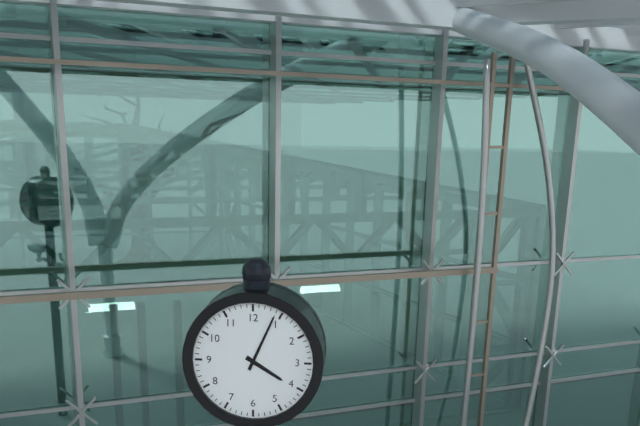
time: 4:04
